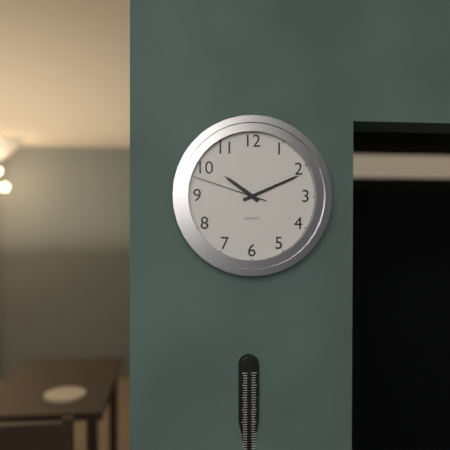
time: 10:11:48
